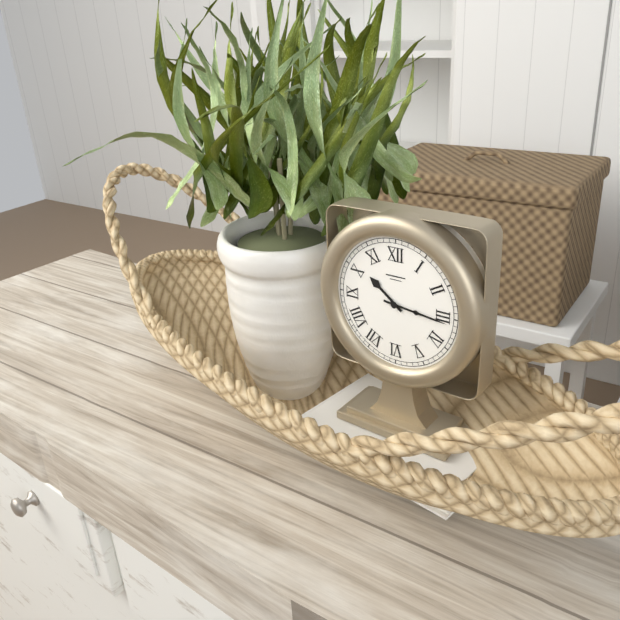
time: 10:16
